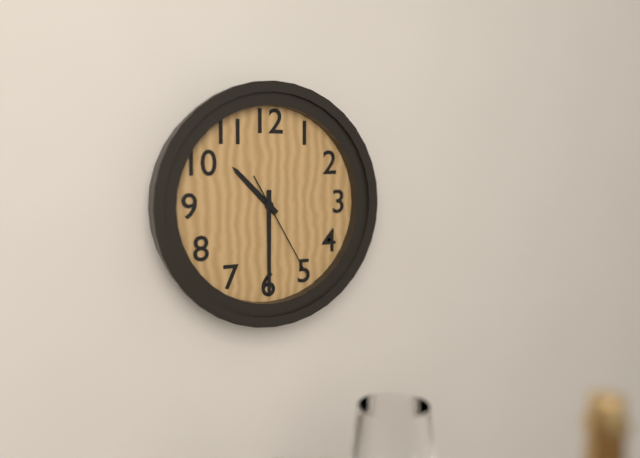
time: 10:30:25
